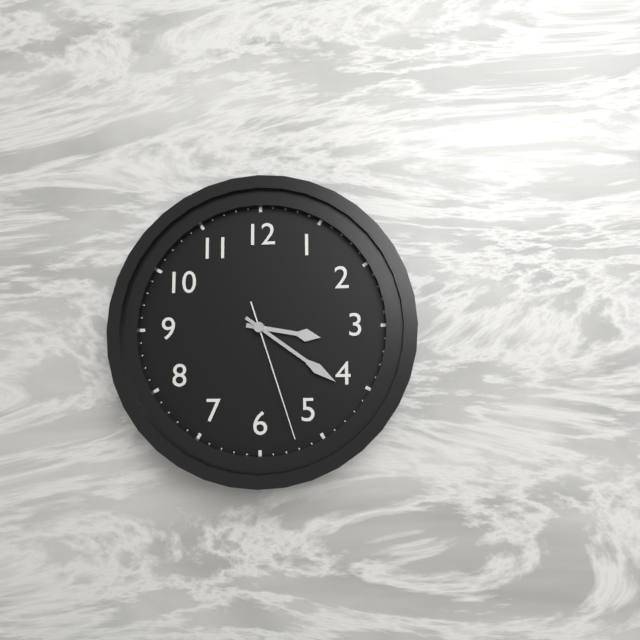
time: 3:21:27
